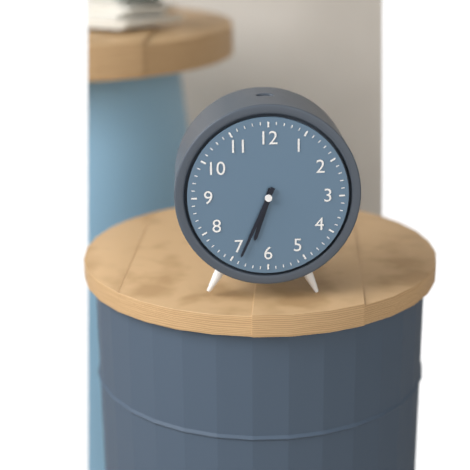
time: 6:34
